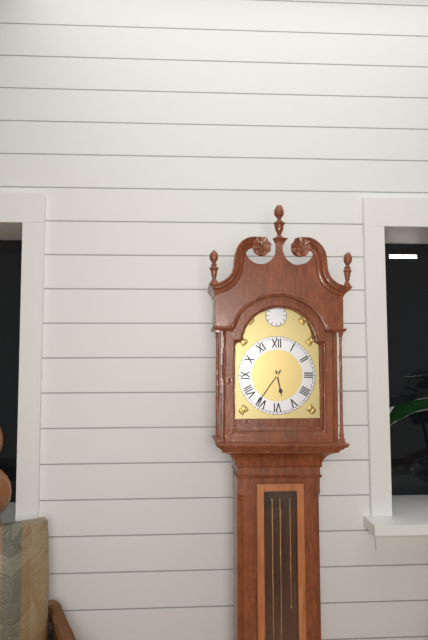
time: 5:36
